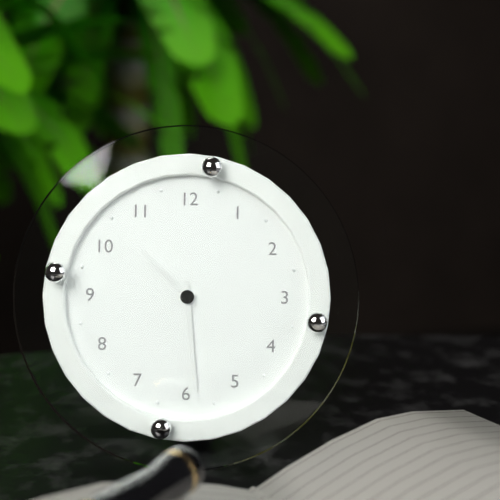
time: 10:29
